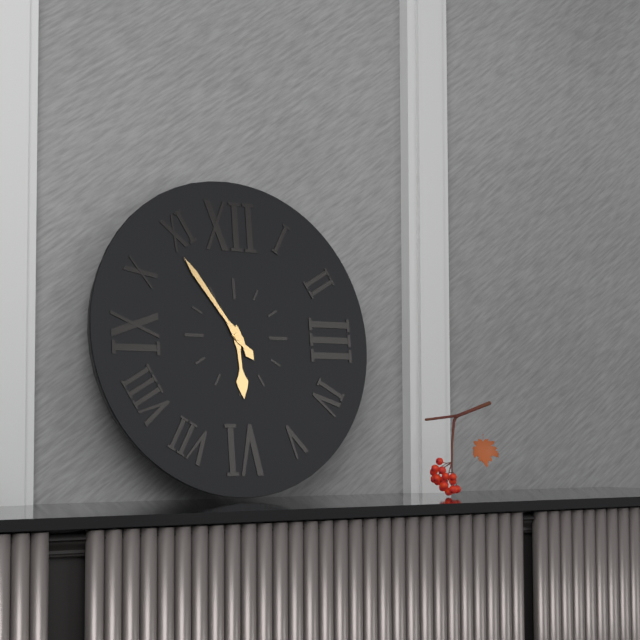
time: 5:54
